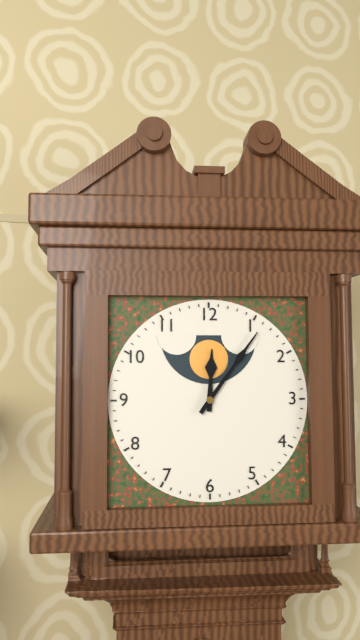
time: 12:06
